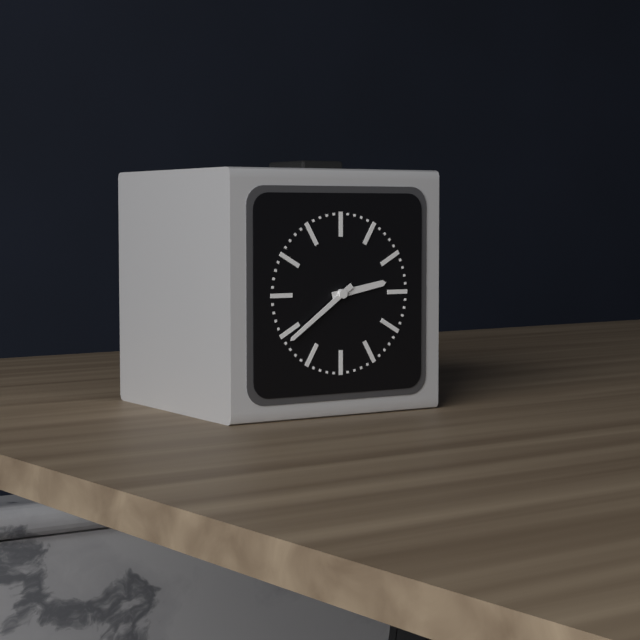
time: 2:39
